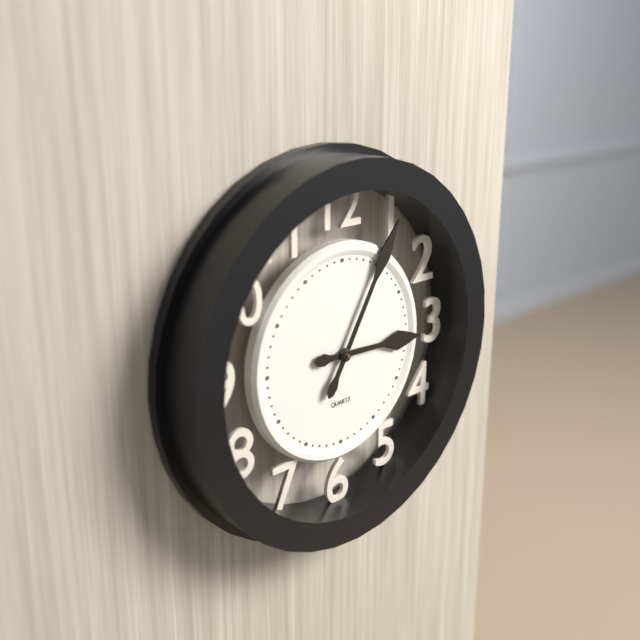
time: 3:05
